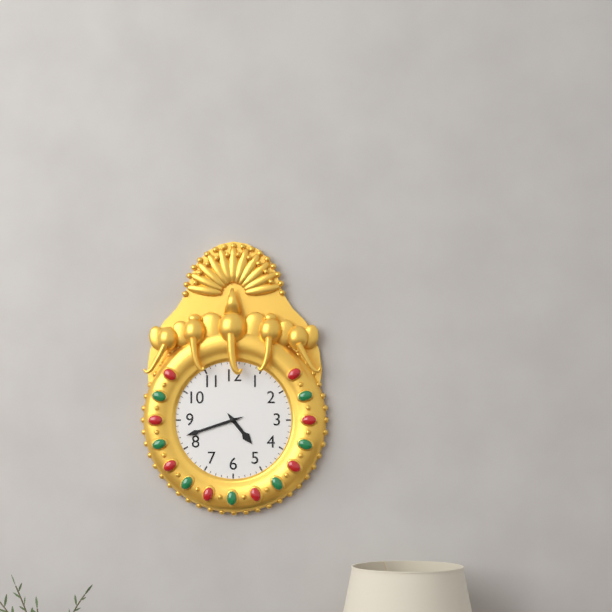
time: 4:42
